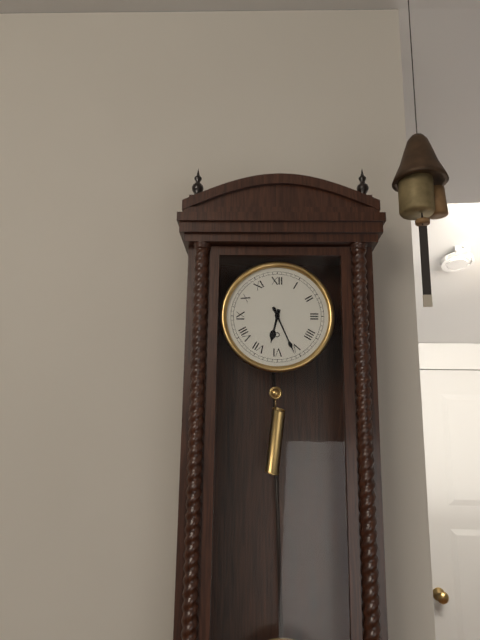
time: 6:26
